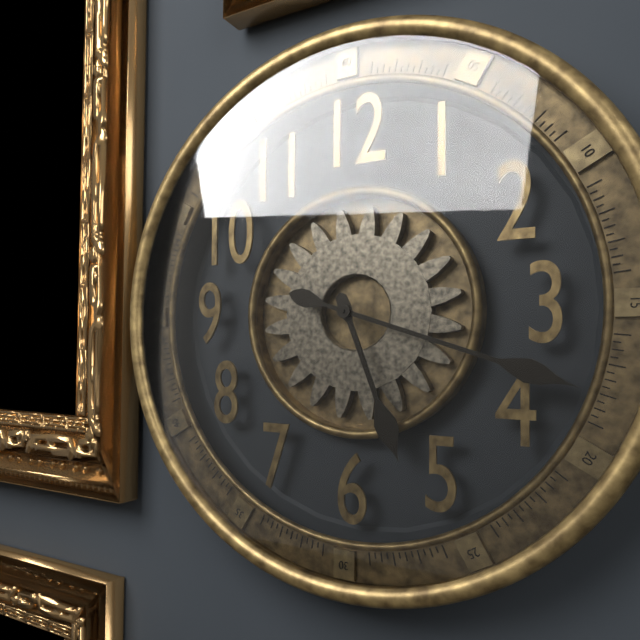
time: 5:18
